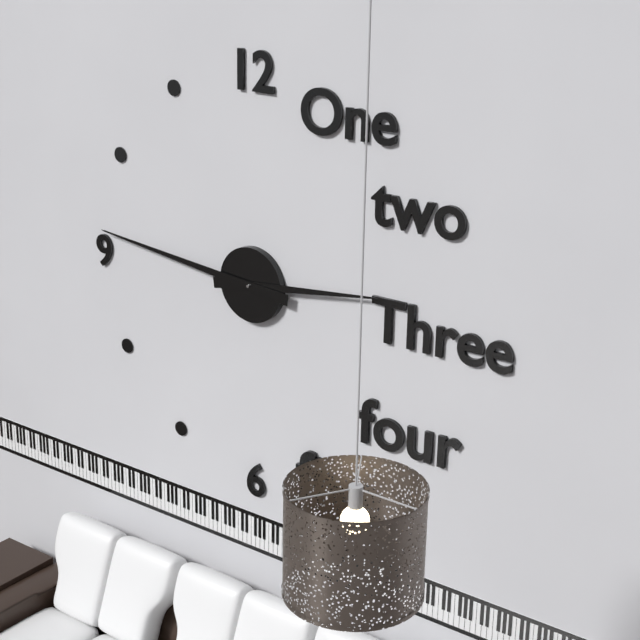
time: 2:46
